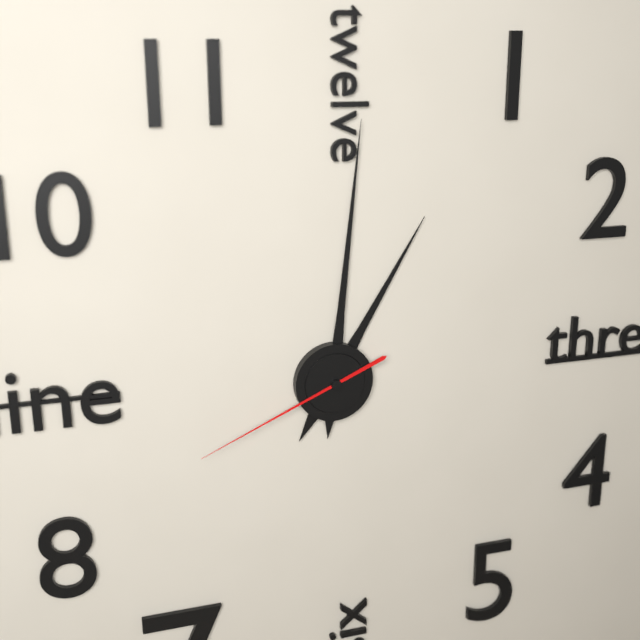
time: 1:01:41
